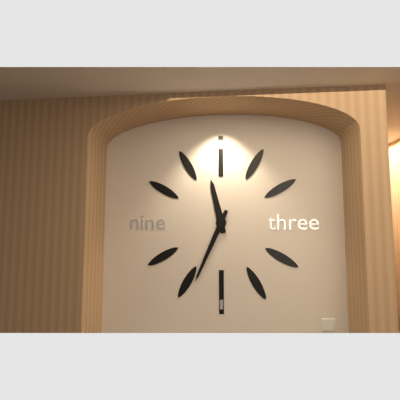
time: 11:34
